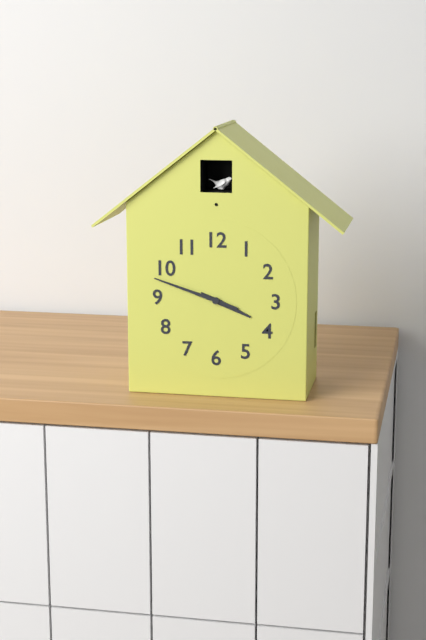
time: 3:48
